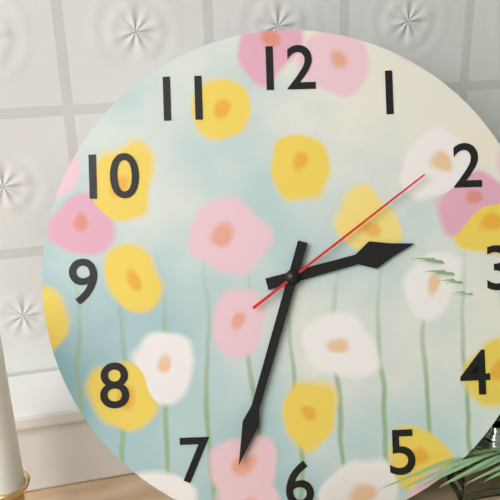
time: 2:33:09
